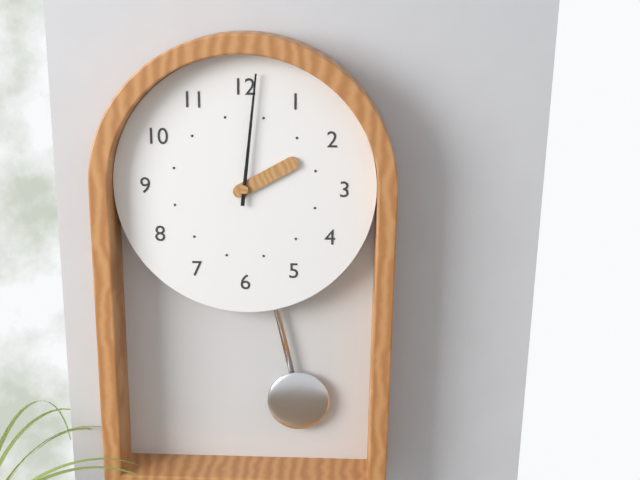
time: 2:01
